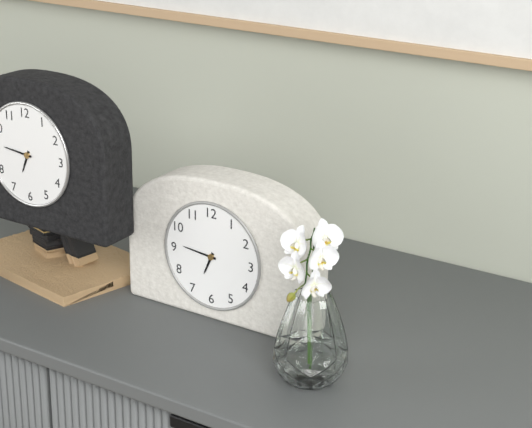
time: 6:46
